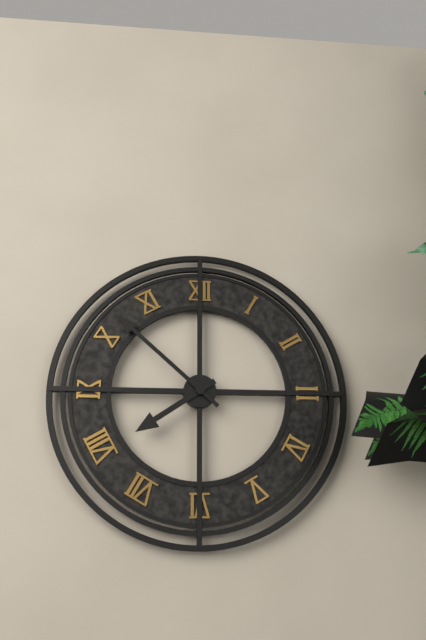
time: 7:52
